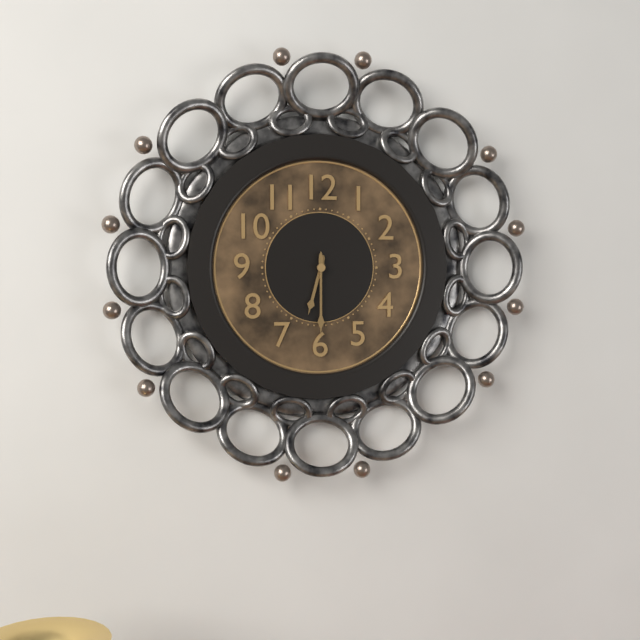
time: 6:30
